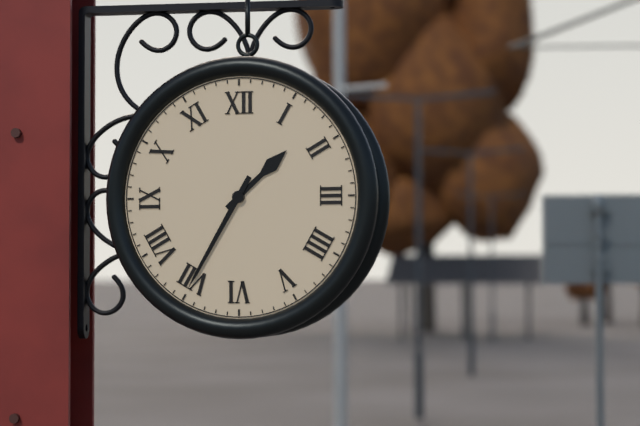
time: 1:35
